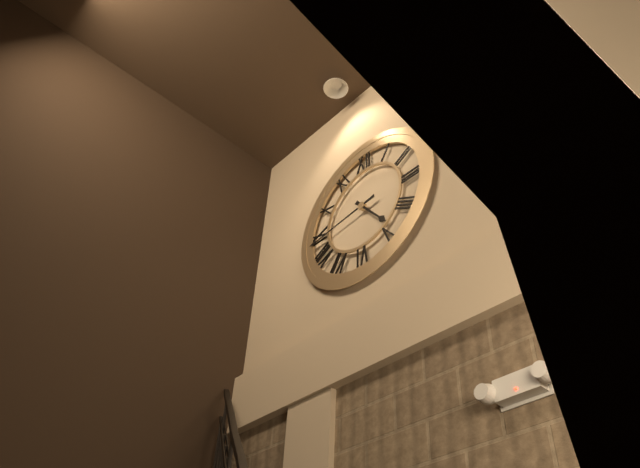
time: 4:44
